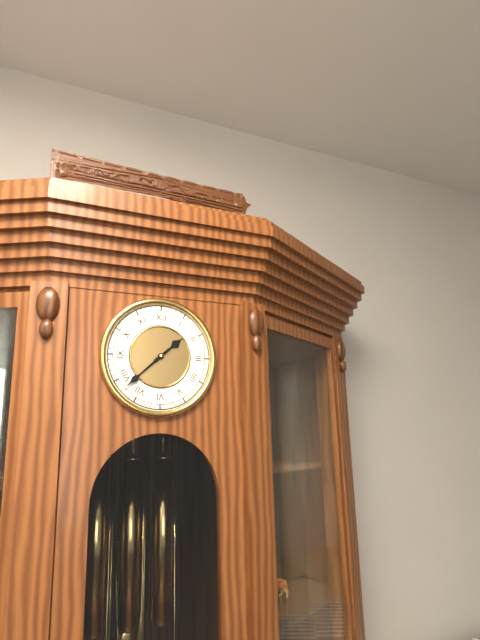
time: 1:38
